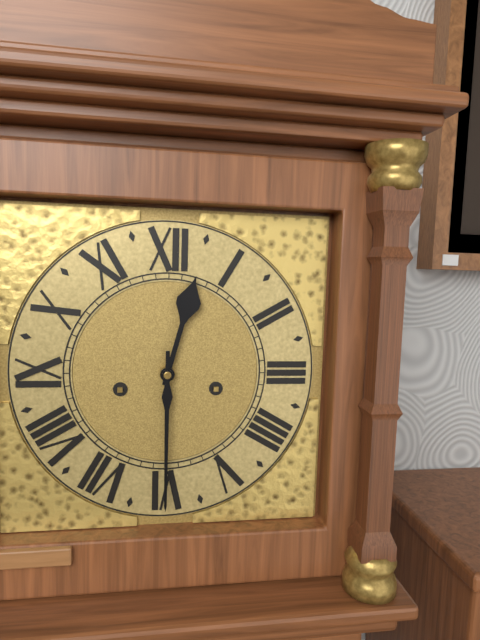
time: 12:30
